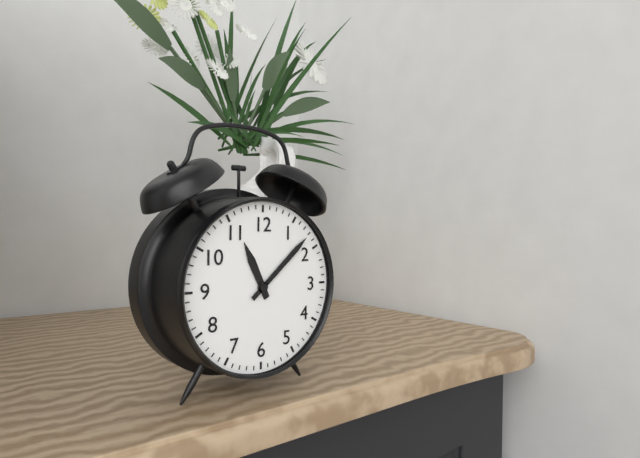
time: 11:08
